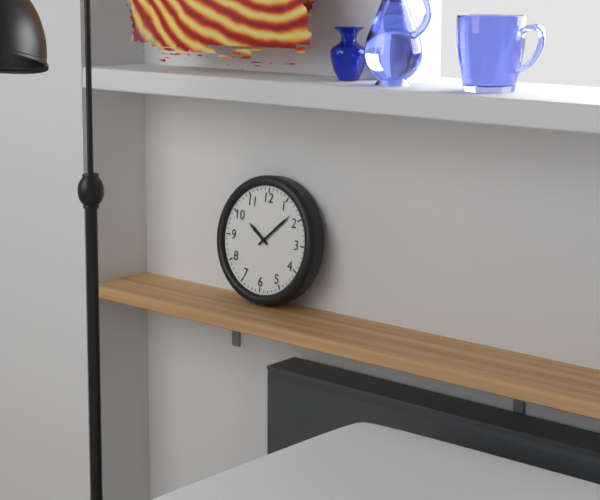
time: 10:08
